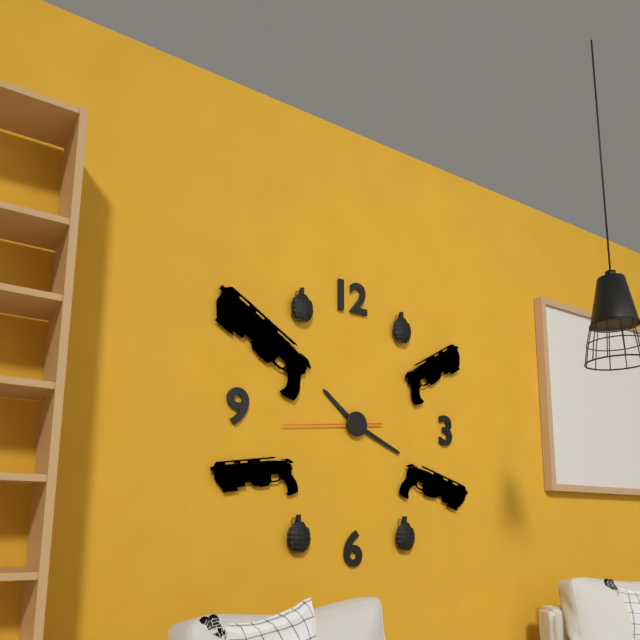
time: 10:19:44
